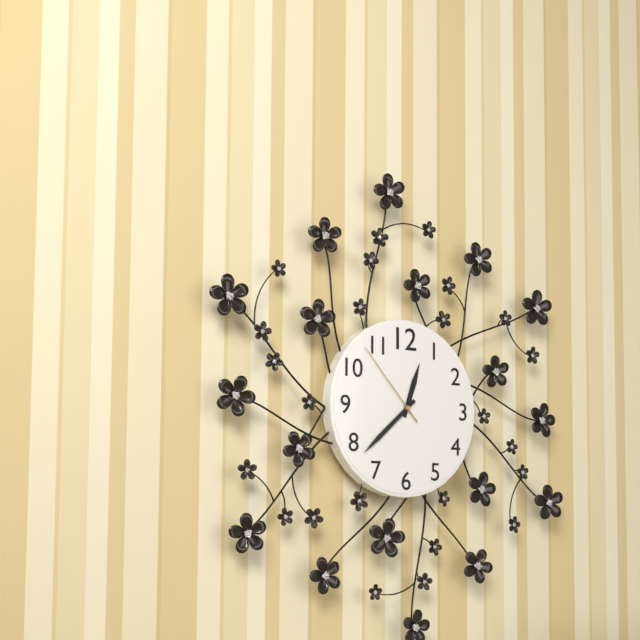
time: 12:38:53
